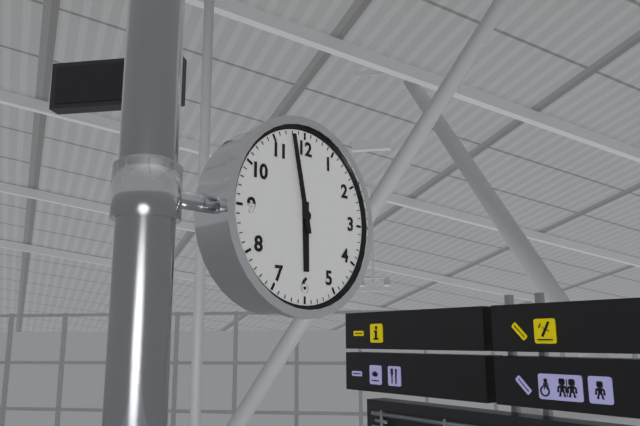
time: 5:58
